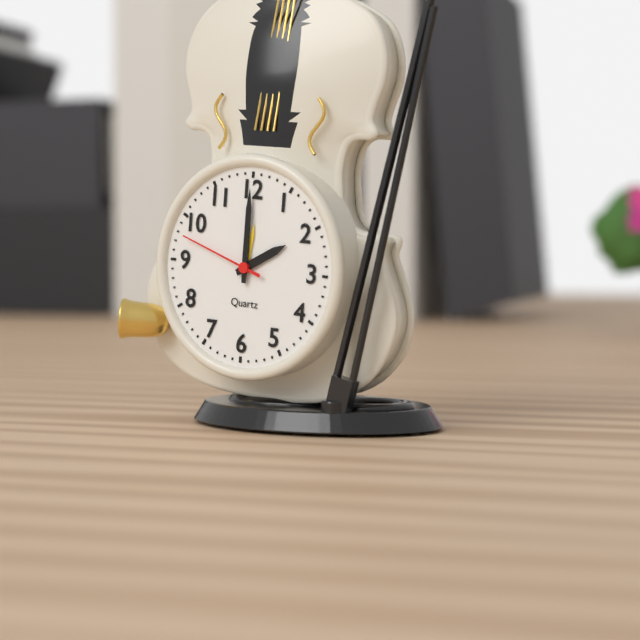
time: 2:00:48
